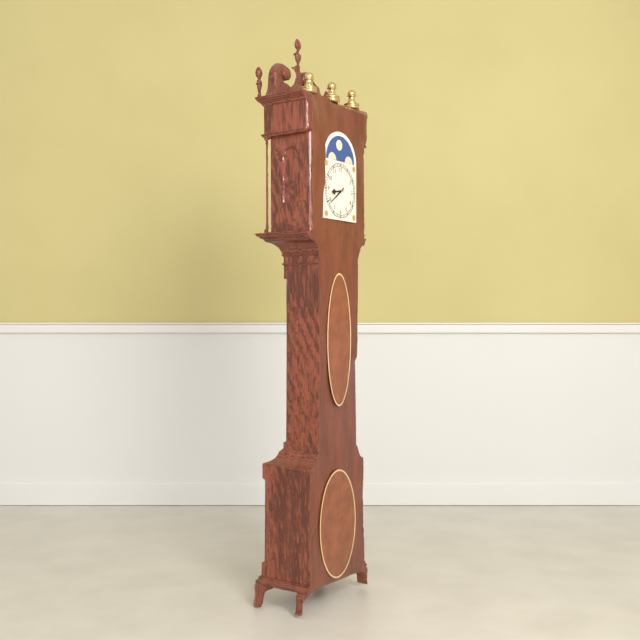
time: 8:39
